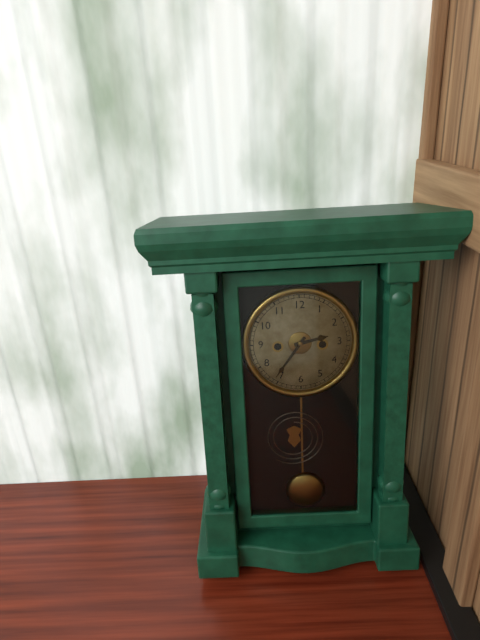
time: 2:36
